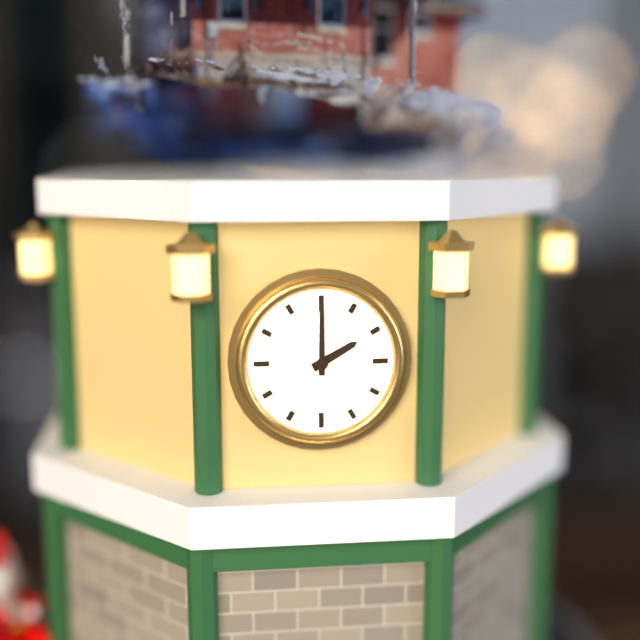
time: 2:00
